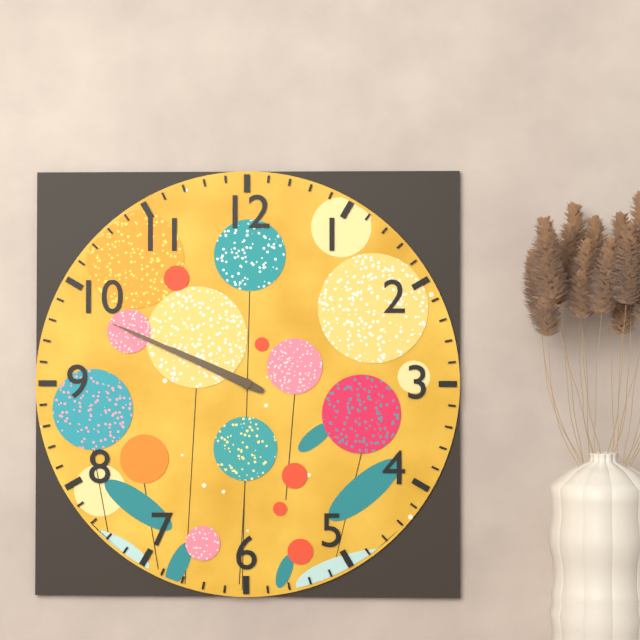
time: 9:49
